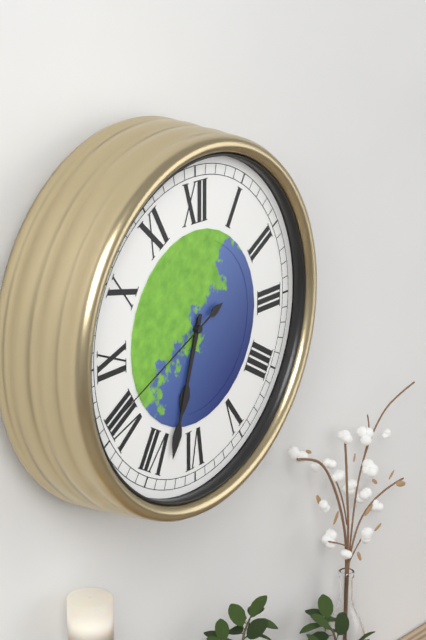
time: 6:33:41
